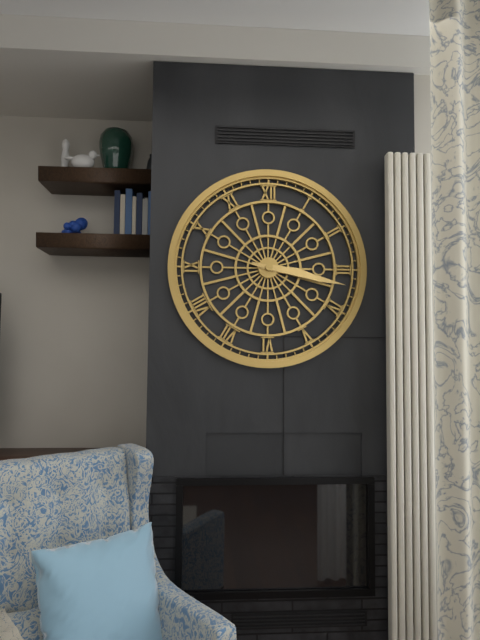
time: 3:17
